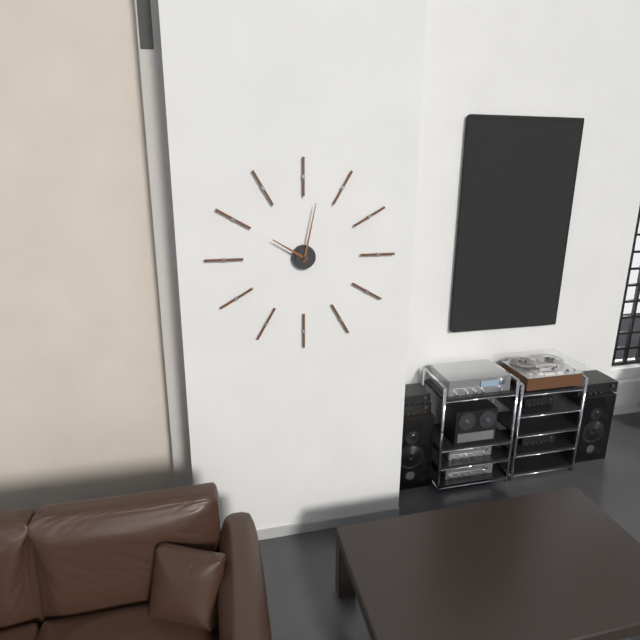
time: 10:02
